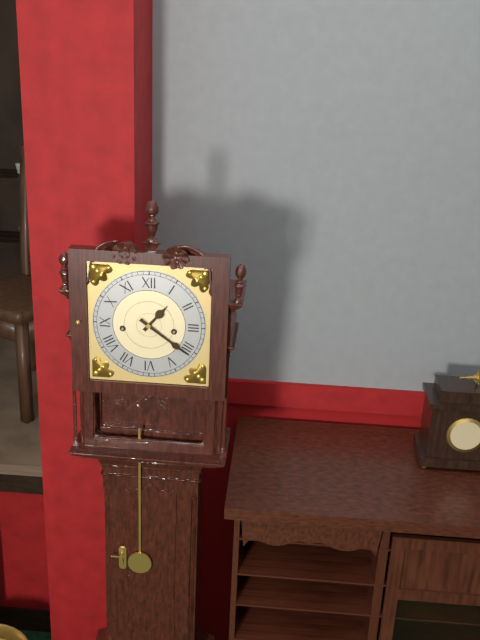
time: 1:21
